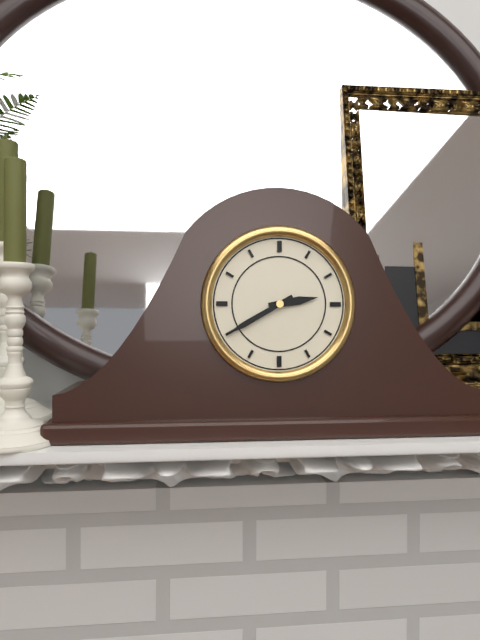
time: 2:40
